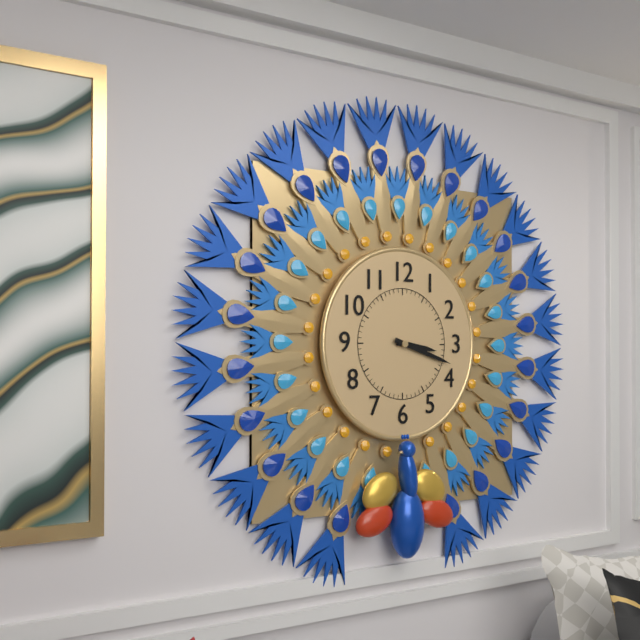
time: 3:18
